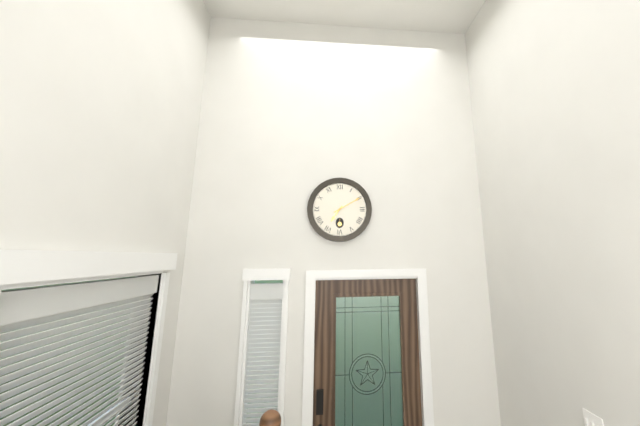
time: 7:10
